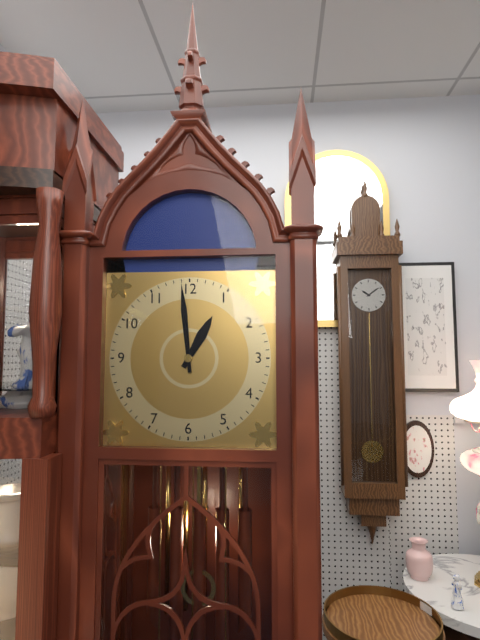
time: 12:59
